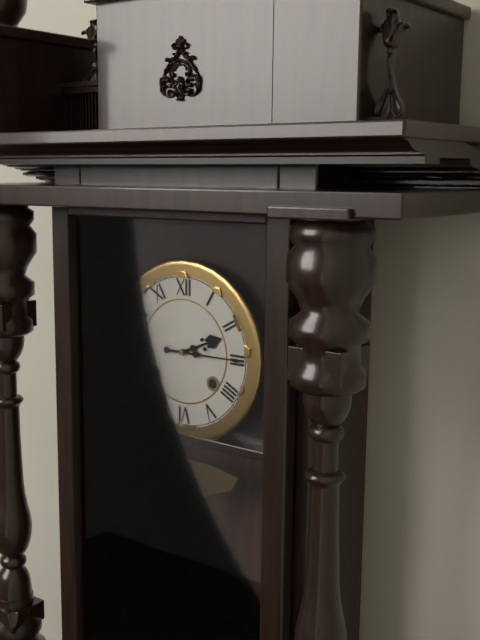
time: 2:15
